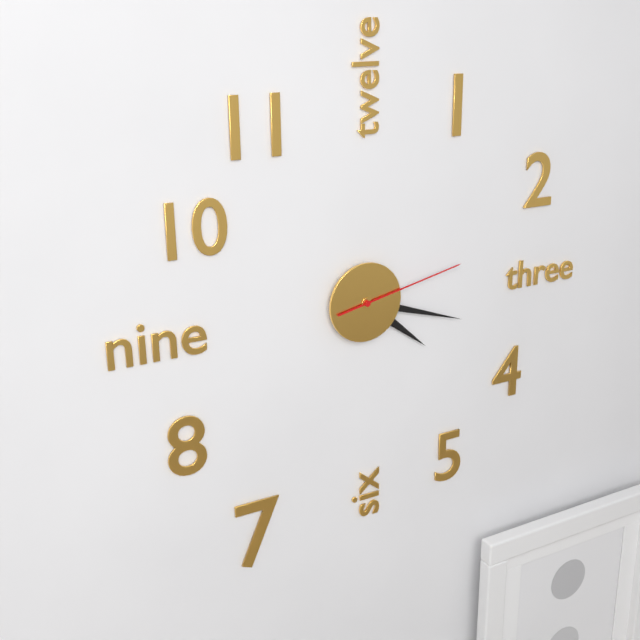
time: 4:18:13
